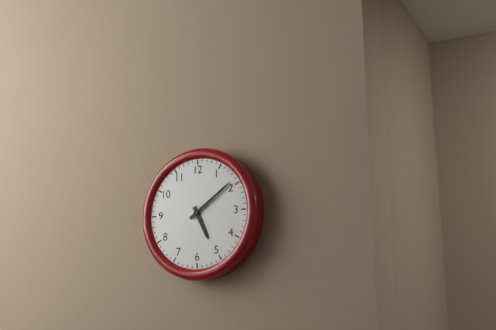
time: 5:09
